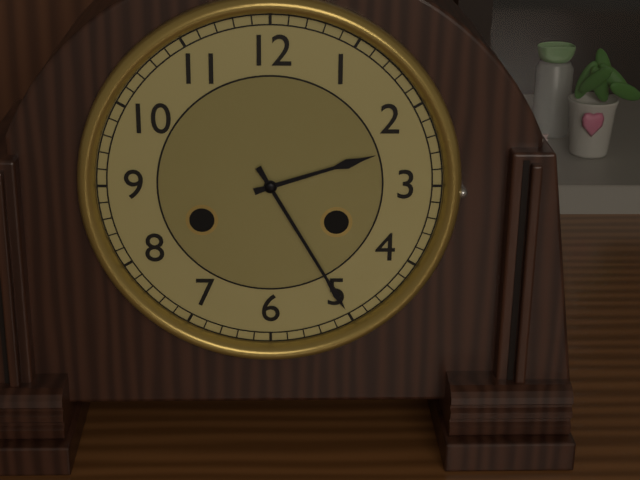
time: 2:25
